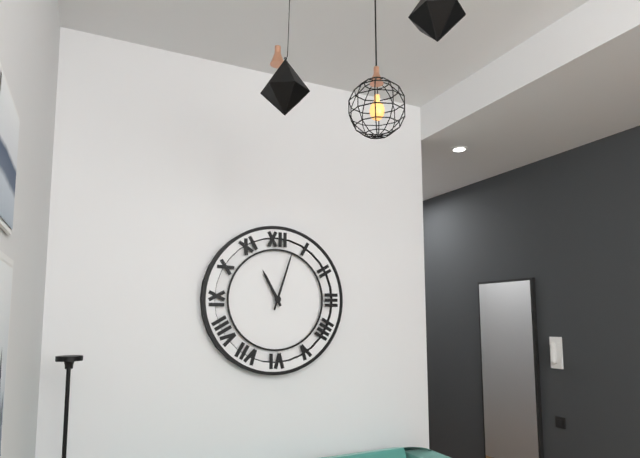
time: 11:03
